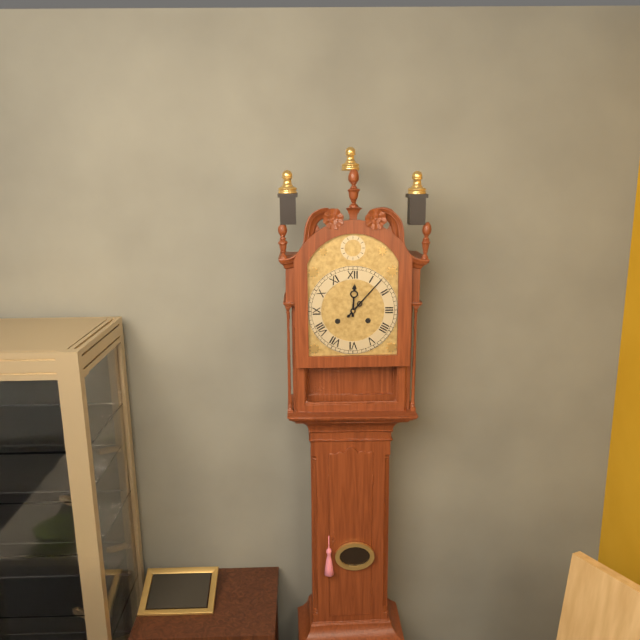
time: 12:07
